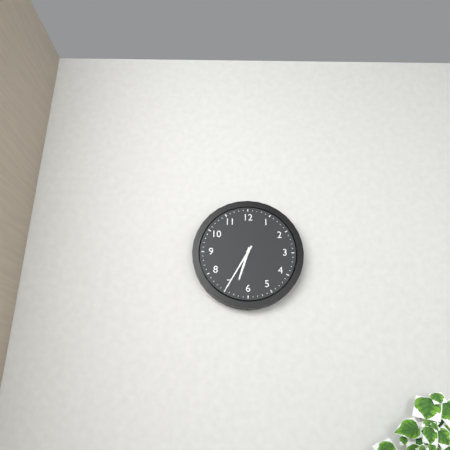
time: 6:35
